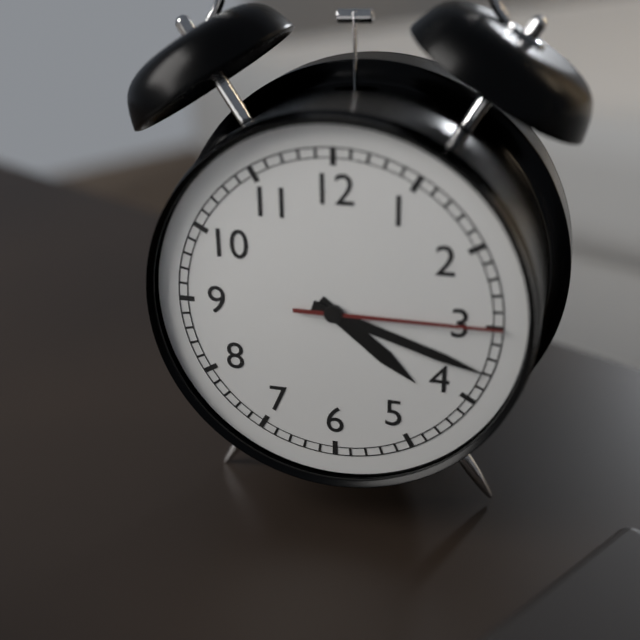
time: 4:18:15
